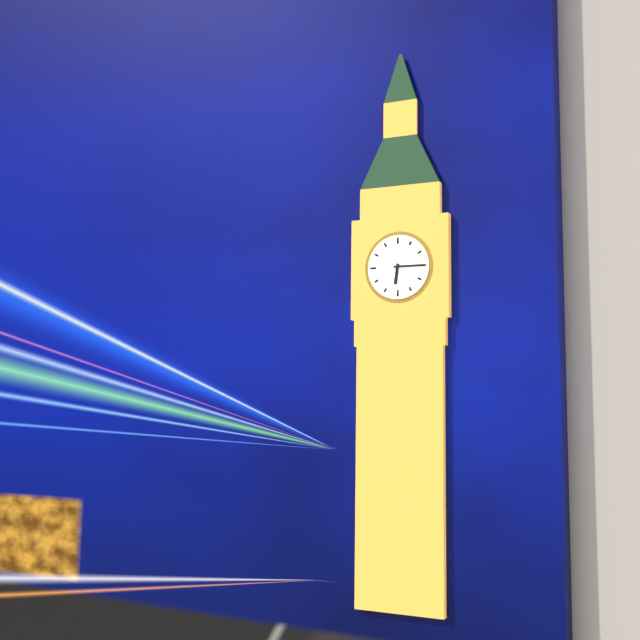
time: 6:15
